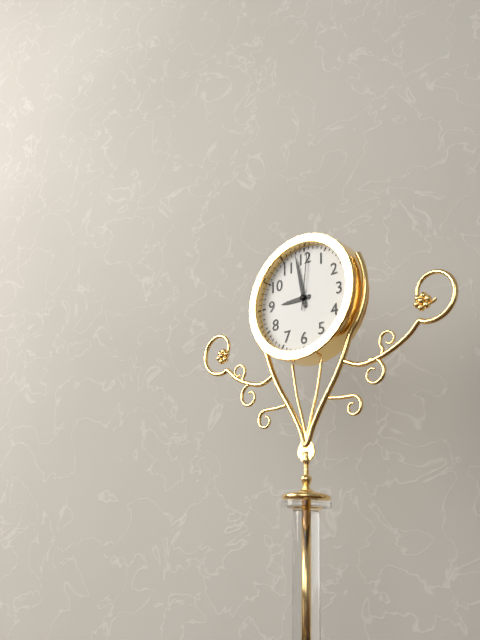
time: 8:58:01
